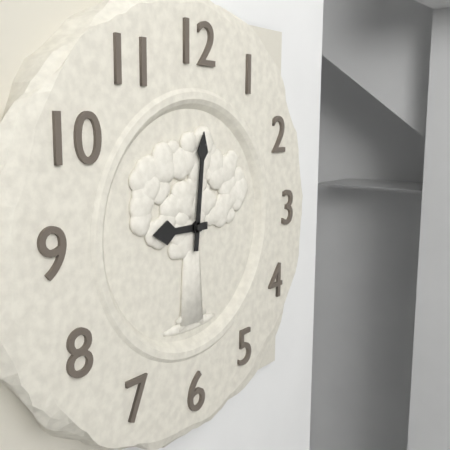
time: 9:01
